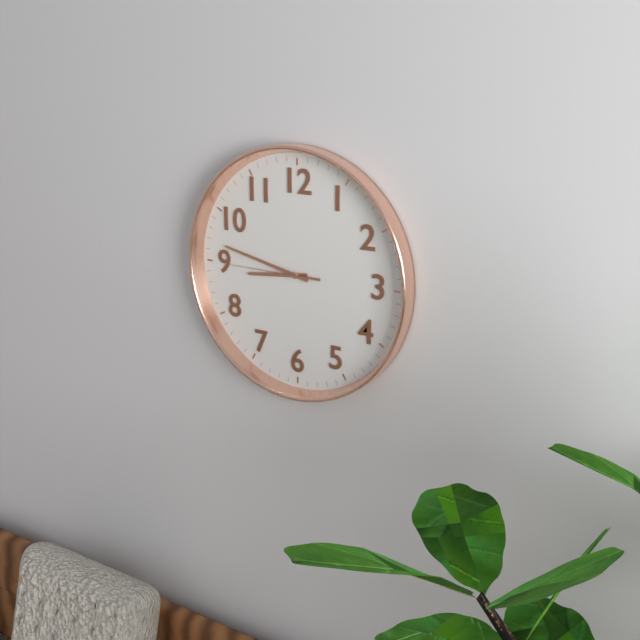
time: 8:47:45
